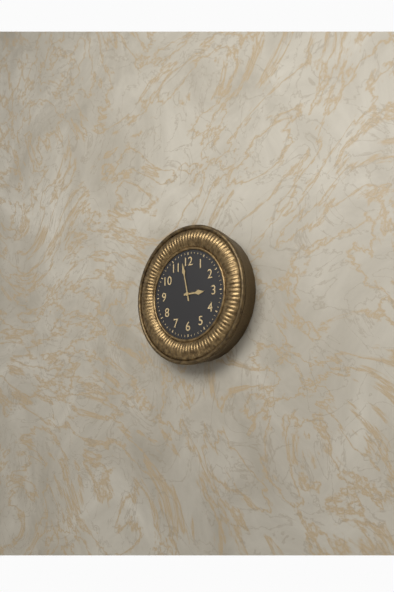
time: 2:58
